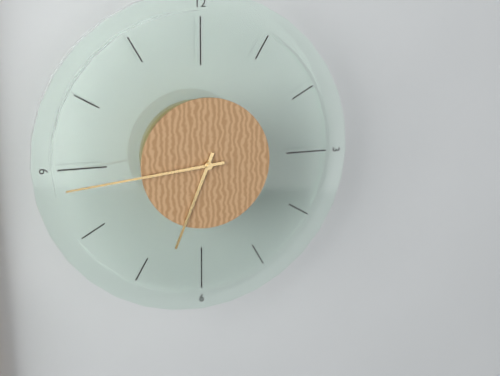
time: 6:44
